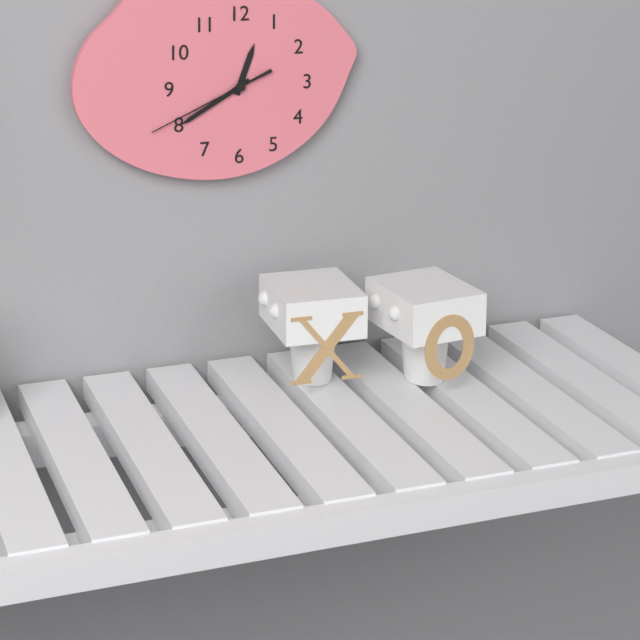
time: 12:40:41
